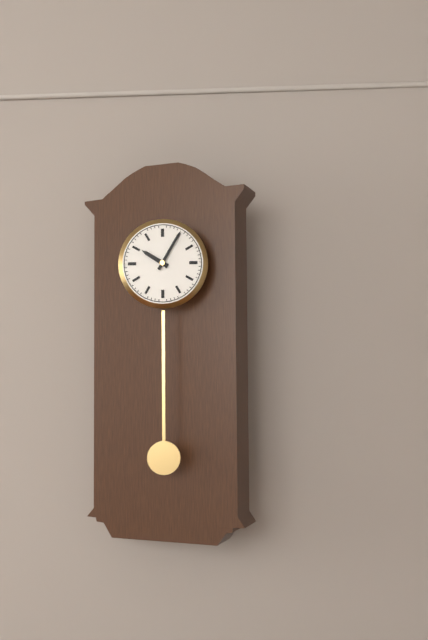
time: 10:05
